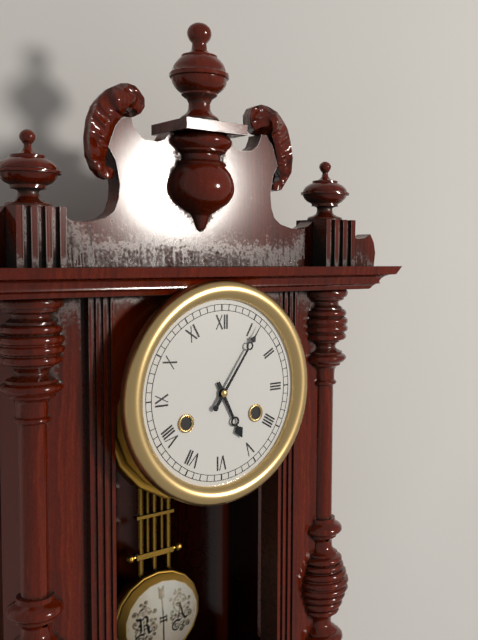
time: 5:06
